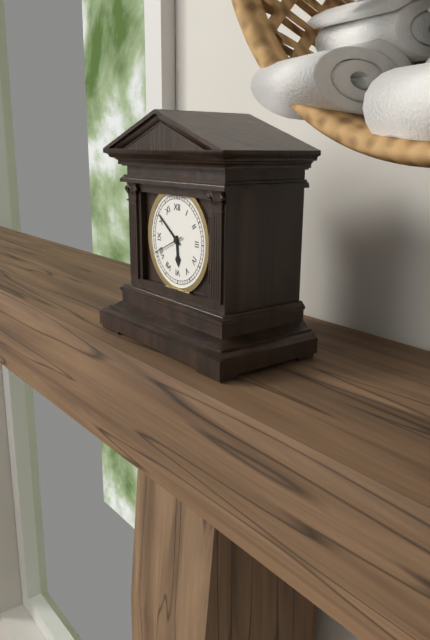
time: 5:51
